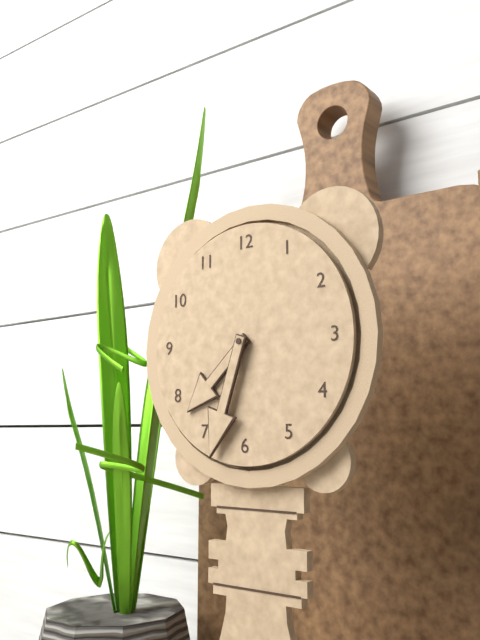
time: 7:33
